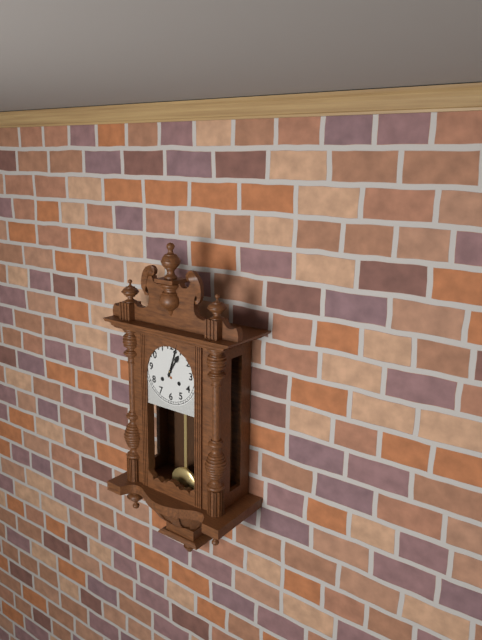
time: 1:03
